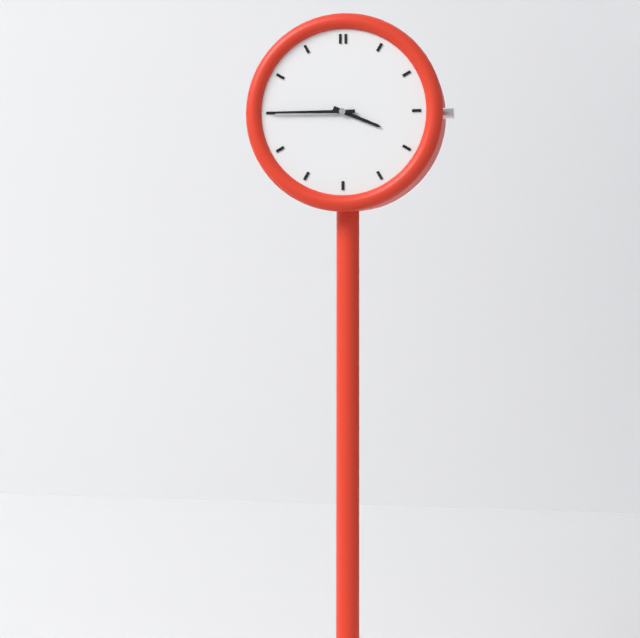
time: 3:45
